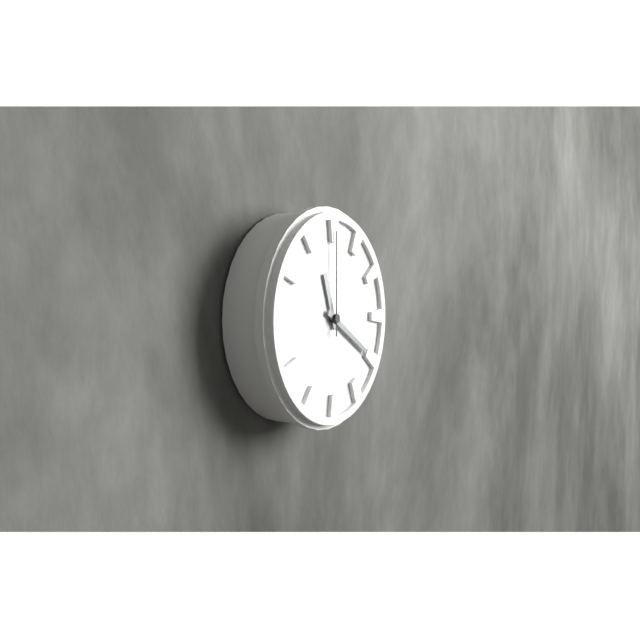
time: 11:20:00
